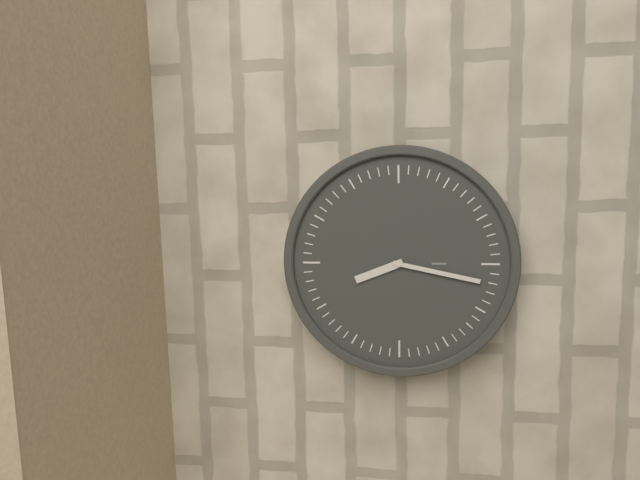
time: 8:17
